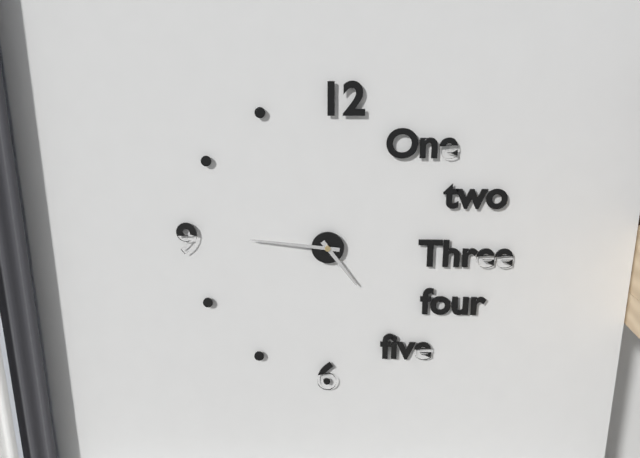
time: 4:46
